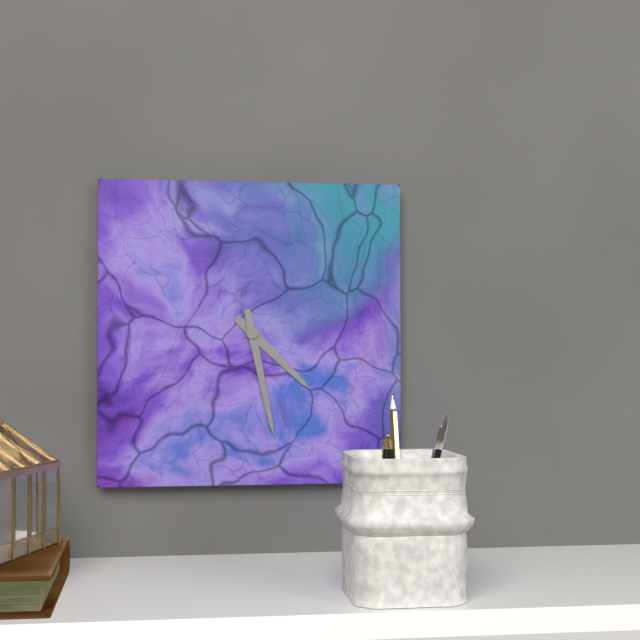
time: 4:28
